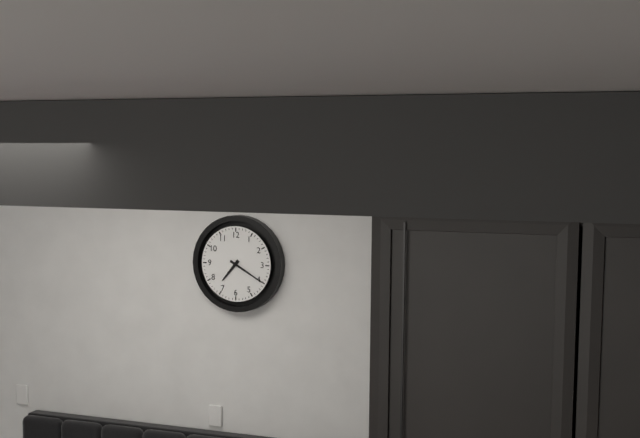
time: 7:20
